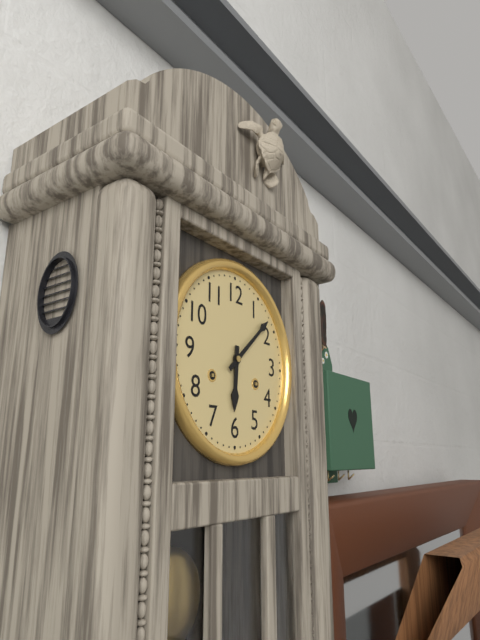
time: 6:08
